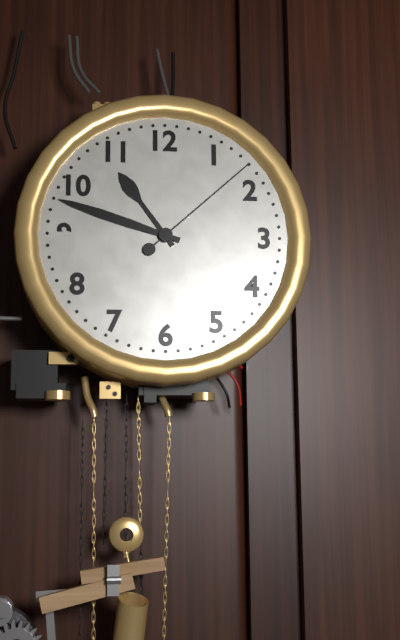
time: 10:48:08
